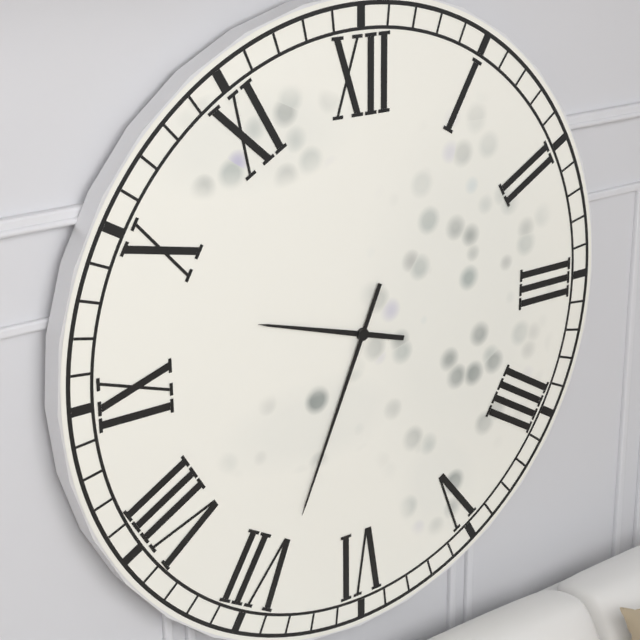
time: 9:34
